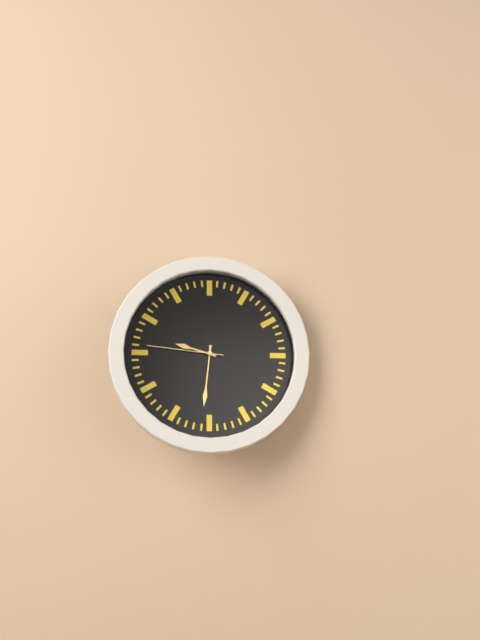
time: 9:31:46
